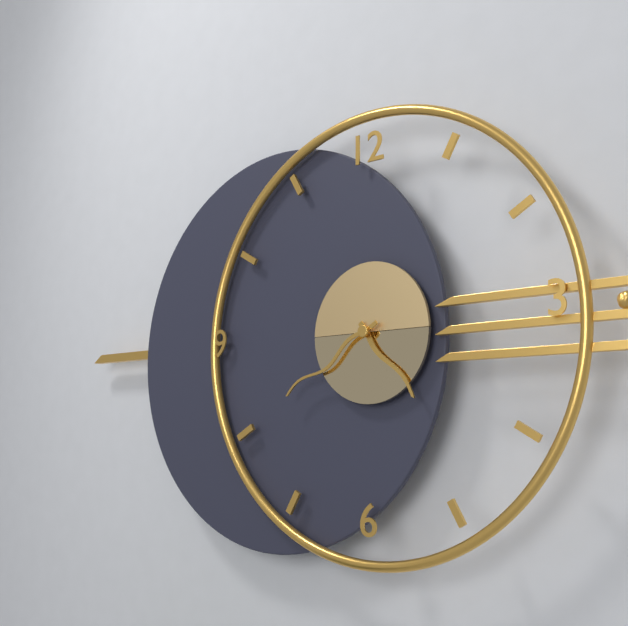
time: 4:40
